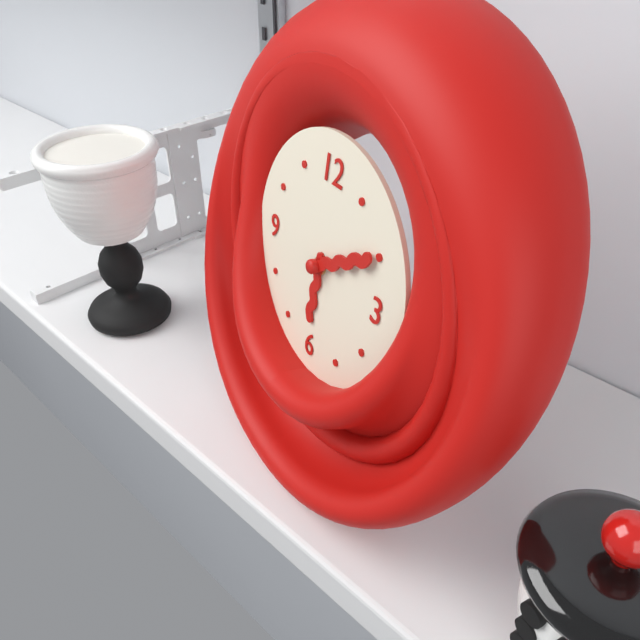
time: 6:10
